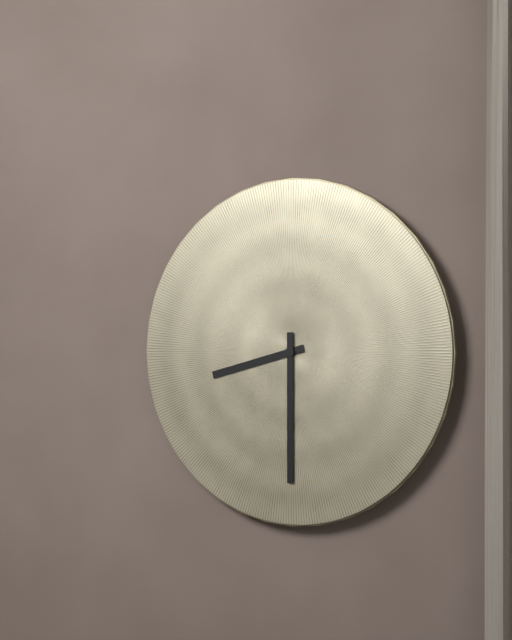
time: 8:30
